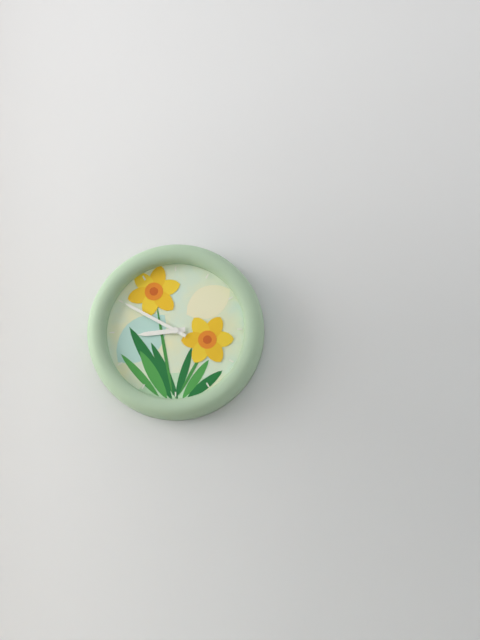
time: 8:50
